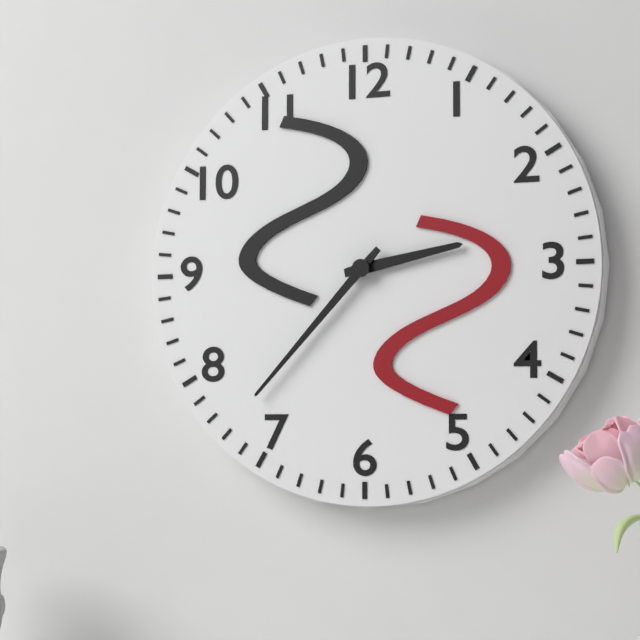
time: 2:37
